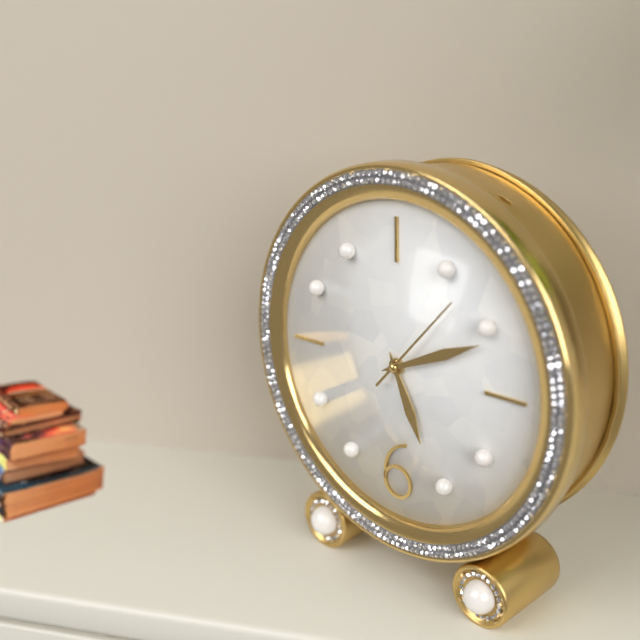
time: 5:11:07
